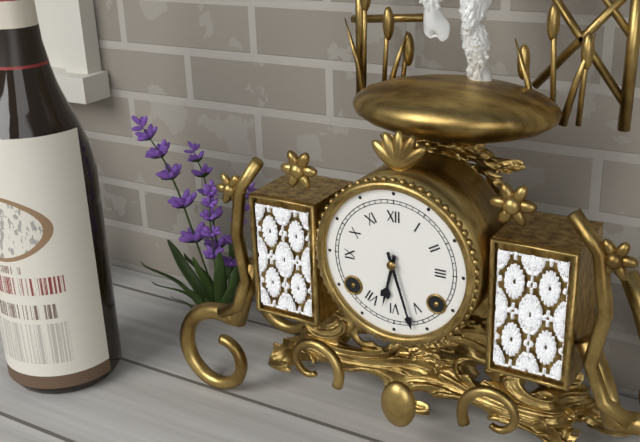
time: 6:27
